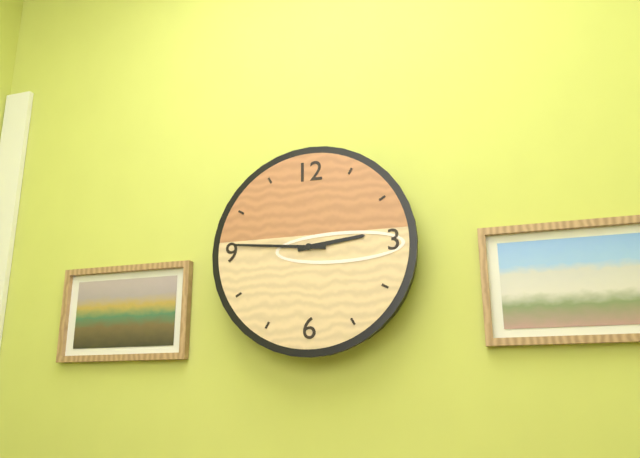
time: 2:46
